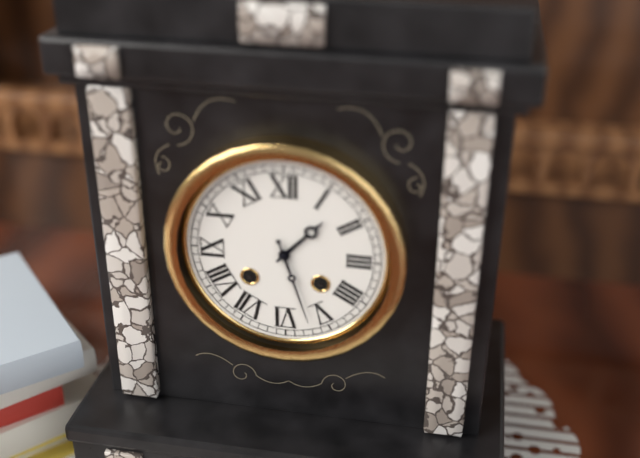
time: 1:27
